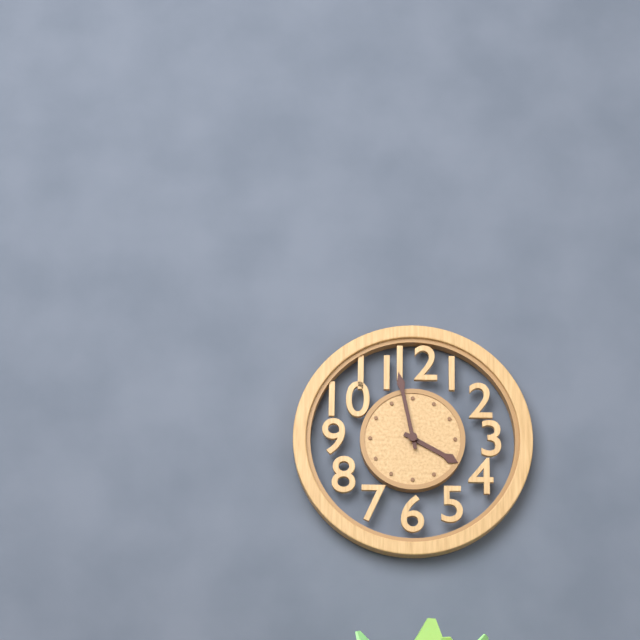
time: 3:58
